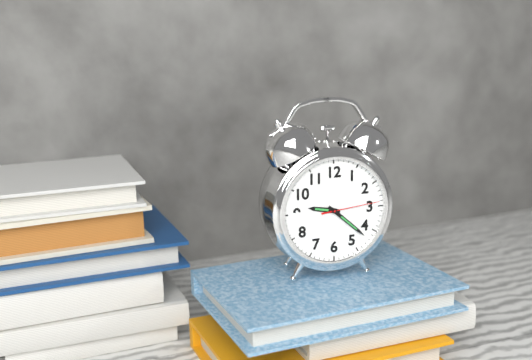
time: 9:22:14
